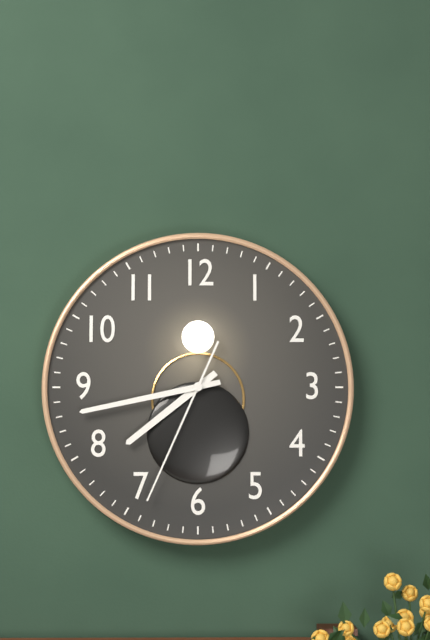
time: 7:43:34
